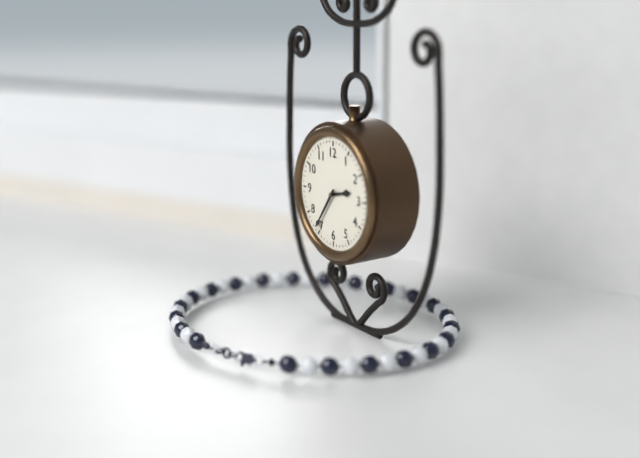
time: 2:36
